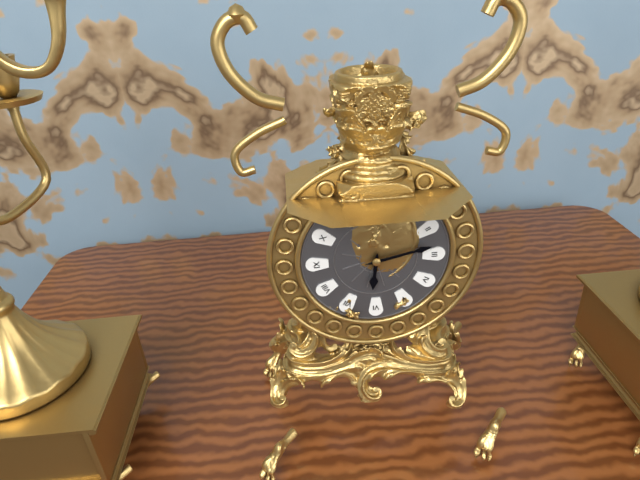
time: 6:13
